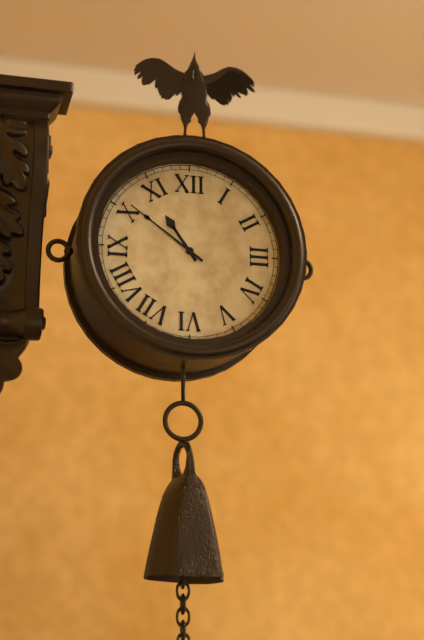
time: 10:51
